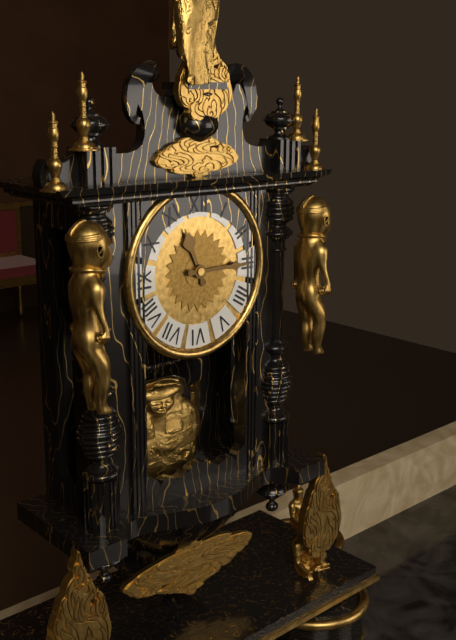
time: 11:15
